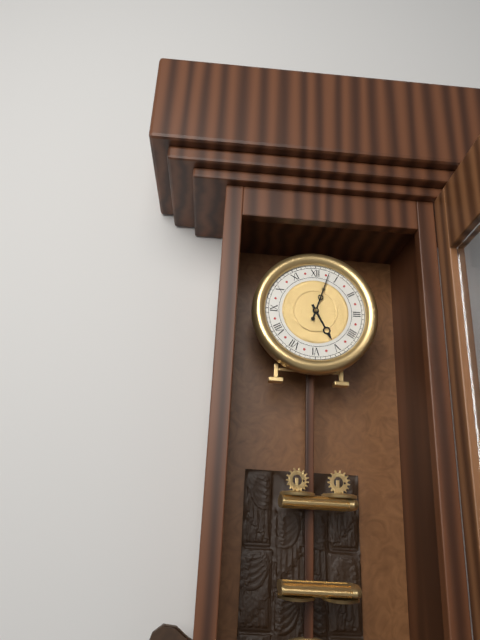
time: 5:03
